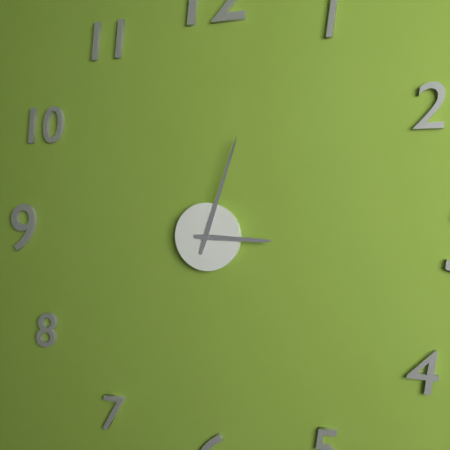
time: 3:03
